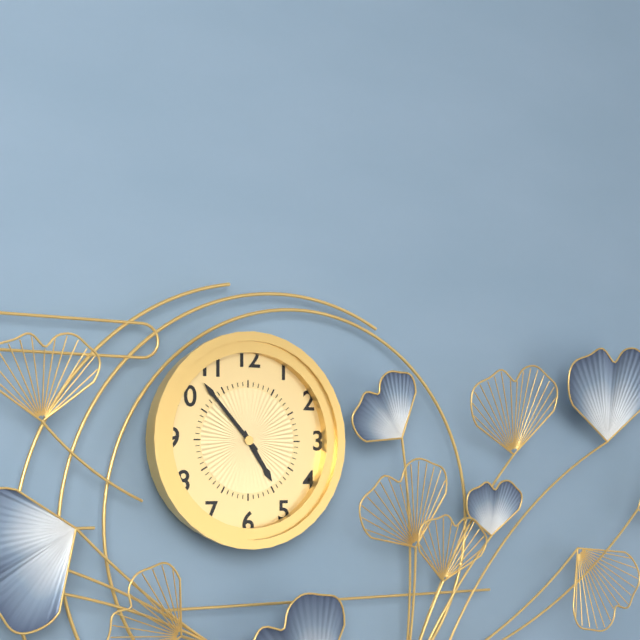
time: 4:53
